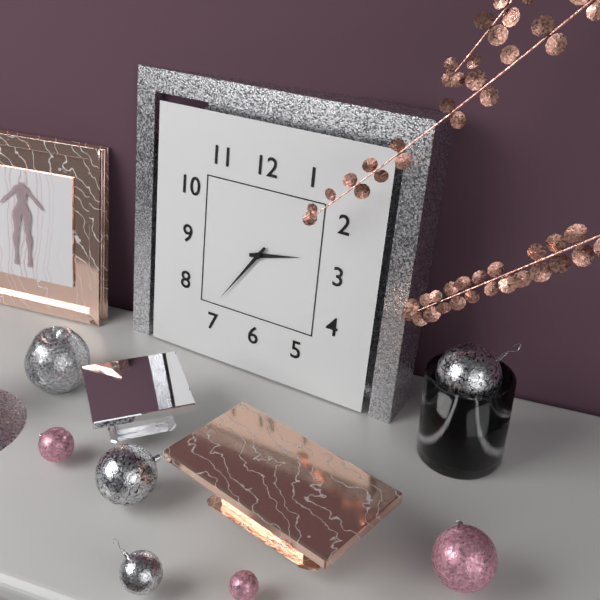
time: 2:36
